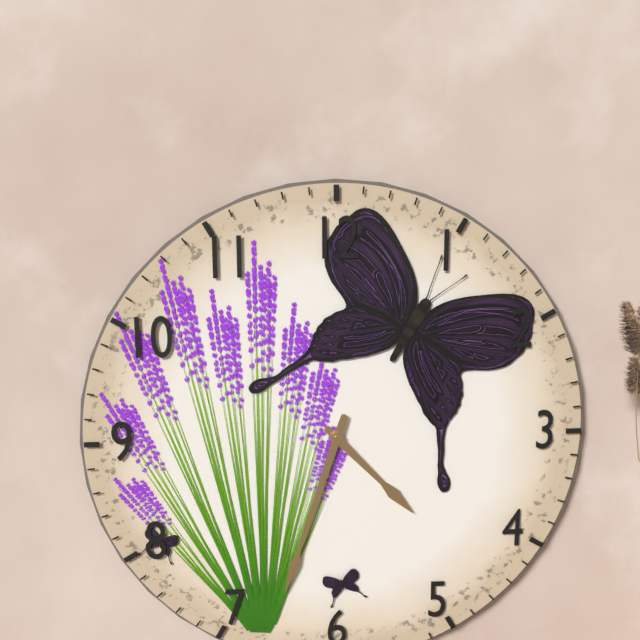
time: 4:33
